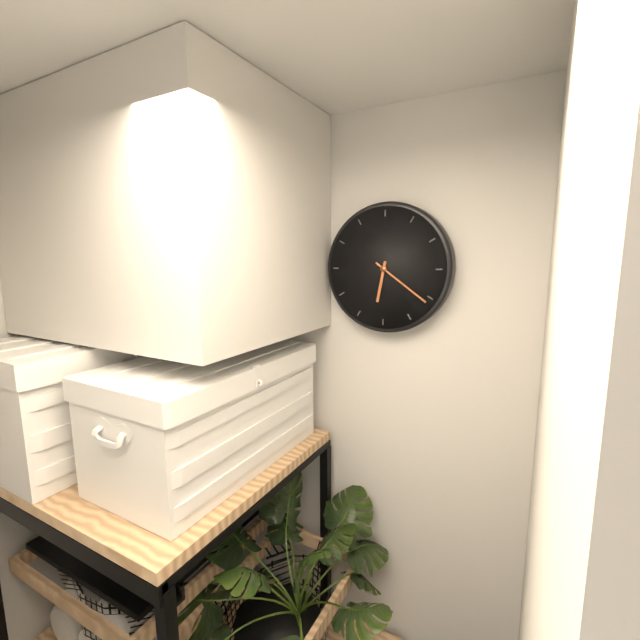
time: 6:21
